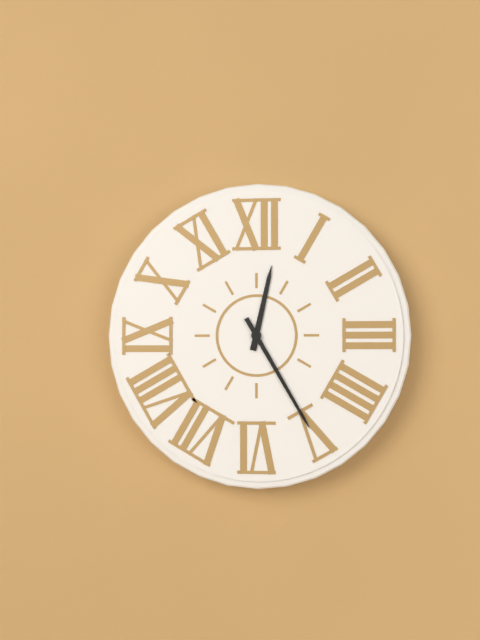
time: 12:25
